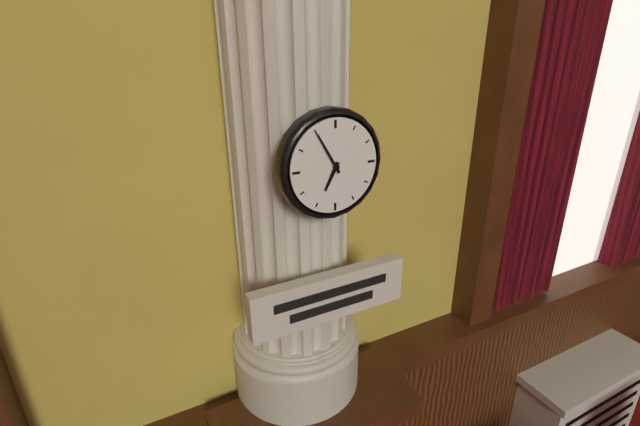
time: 6:55
